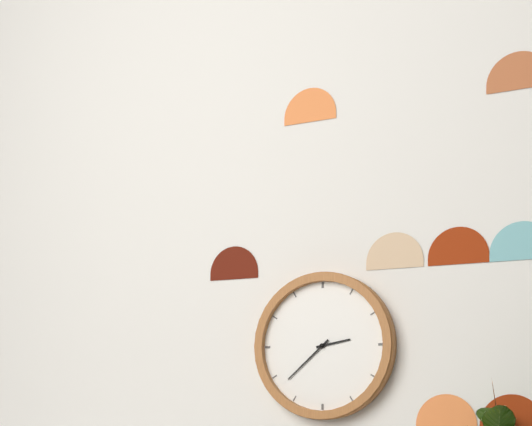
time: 2:38
